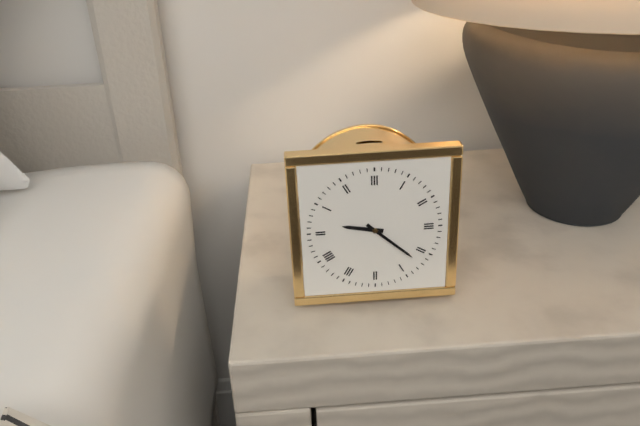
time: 9:22
